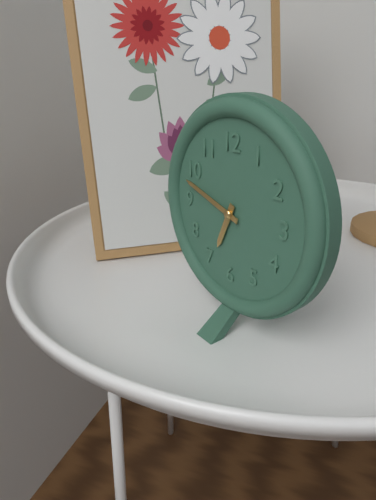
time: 6:48
